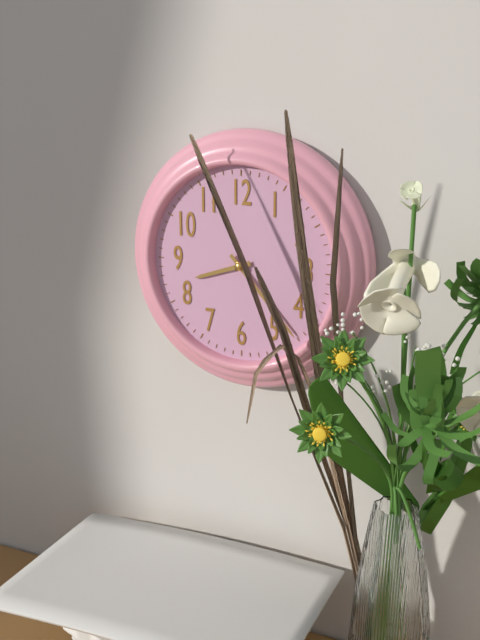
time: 8:23
